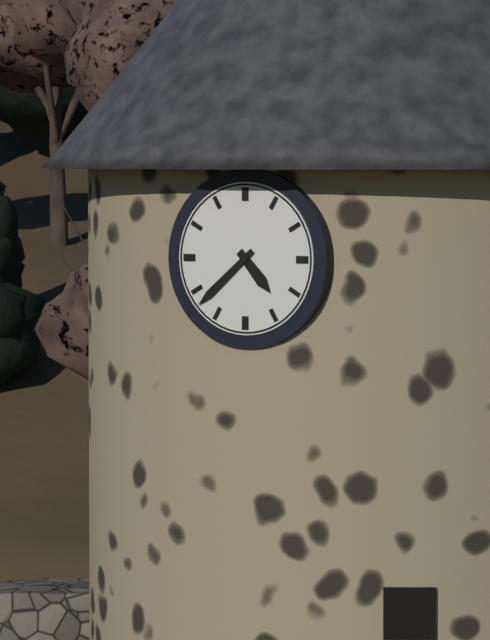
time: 4:38
